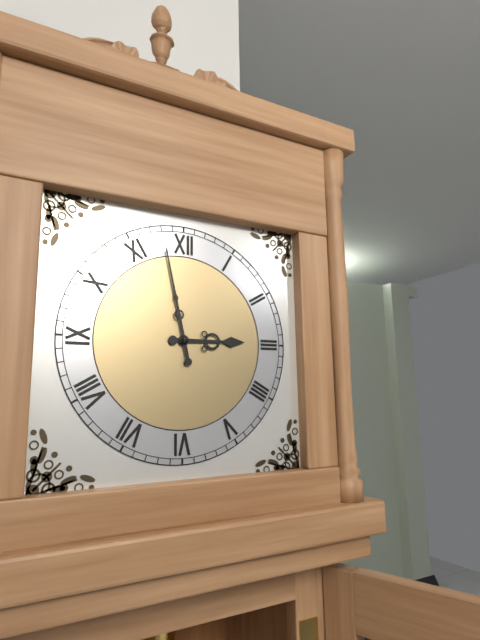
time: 2:58
